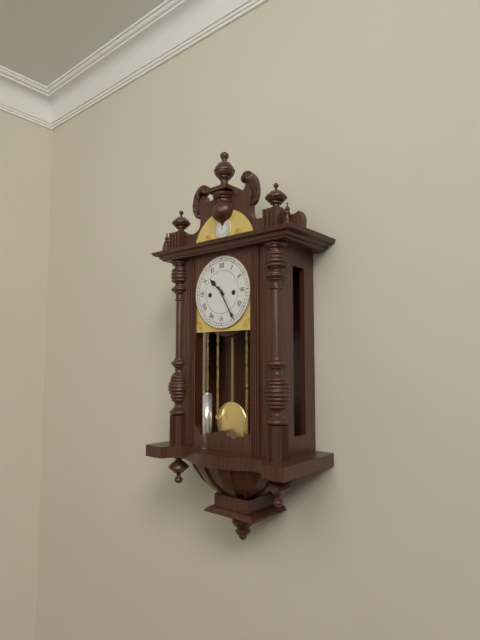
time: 10:25
